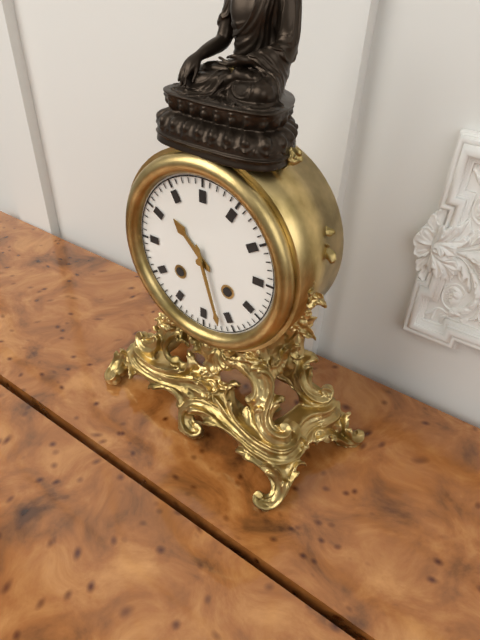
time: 10:27
